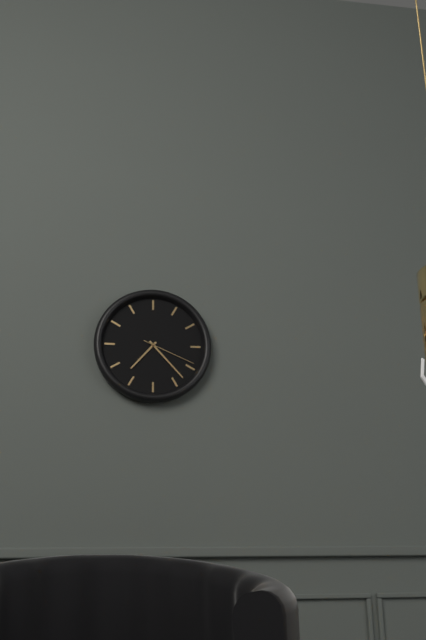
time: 7:23:19
